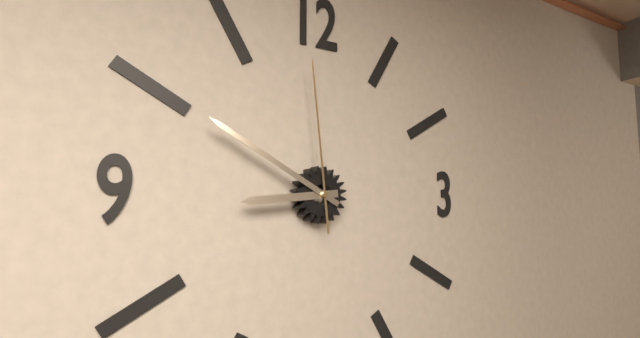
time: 8:50:59
